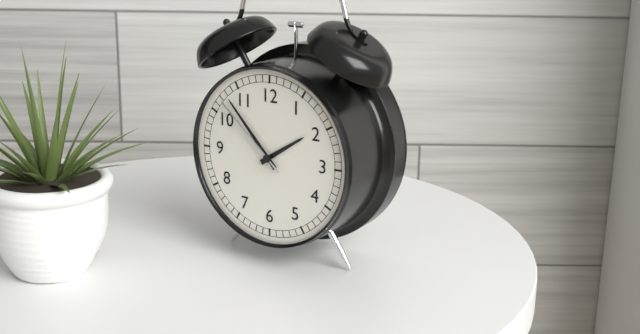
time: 1:53:52
